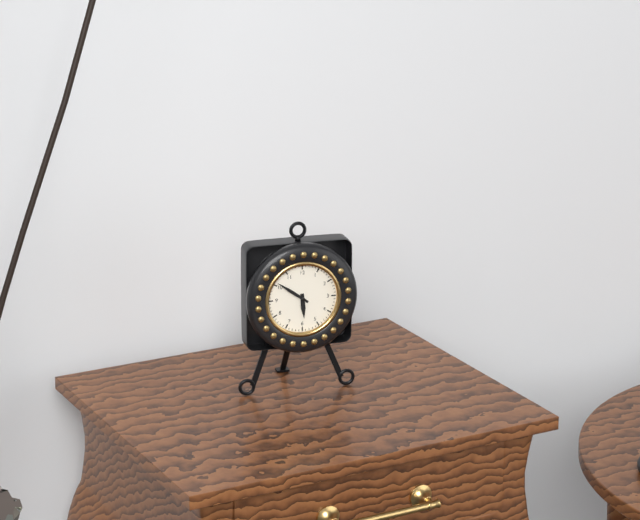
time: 5:51
